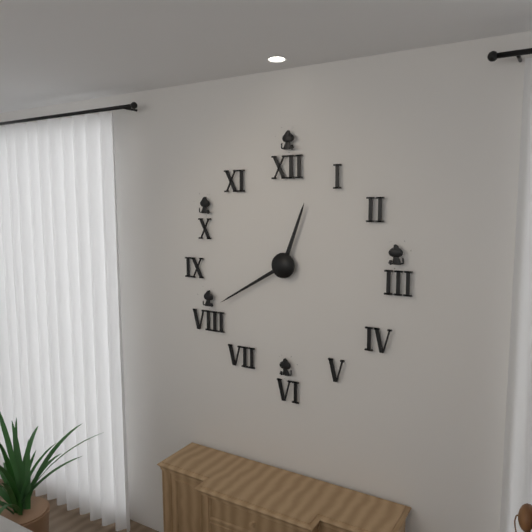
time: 12:40
